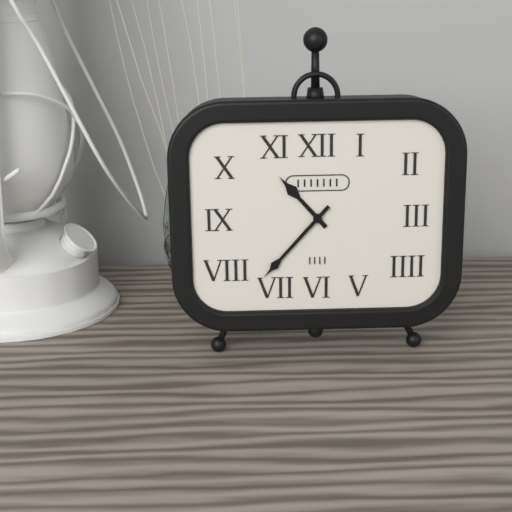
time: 10:37
